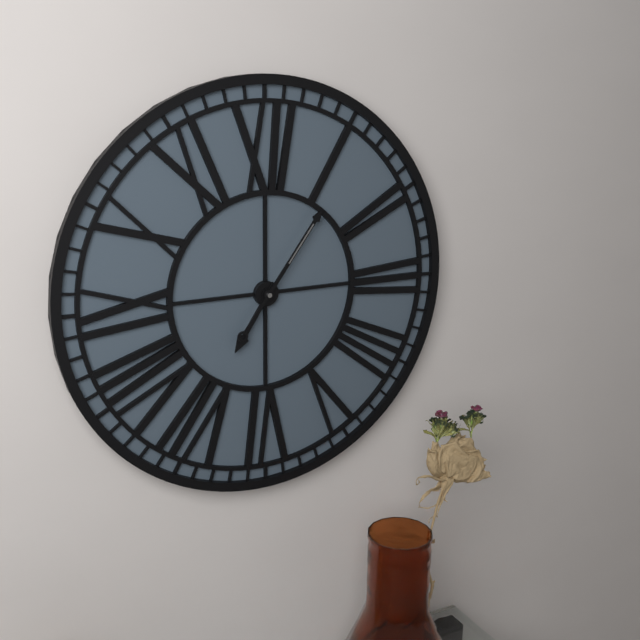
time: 7:06
